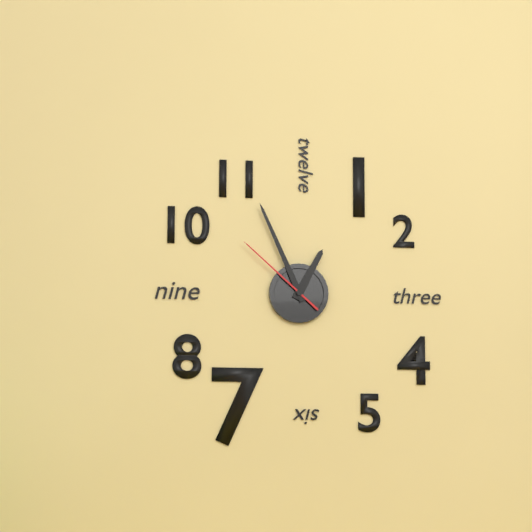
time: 12:56:52
